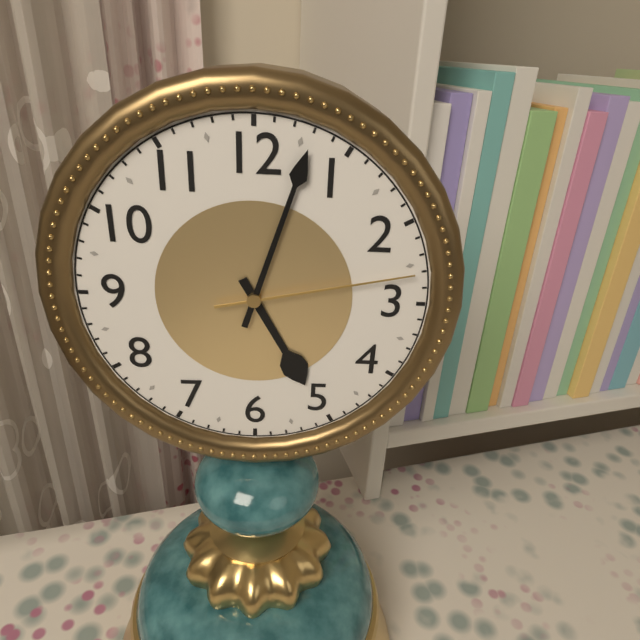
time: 5:03:13
